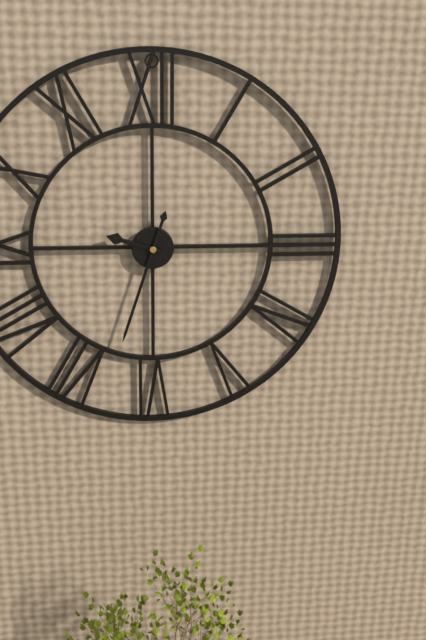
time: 9:33
